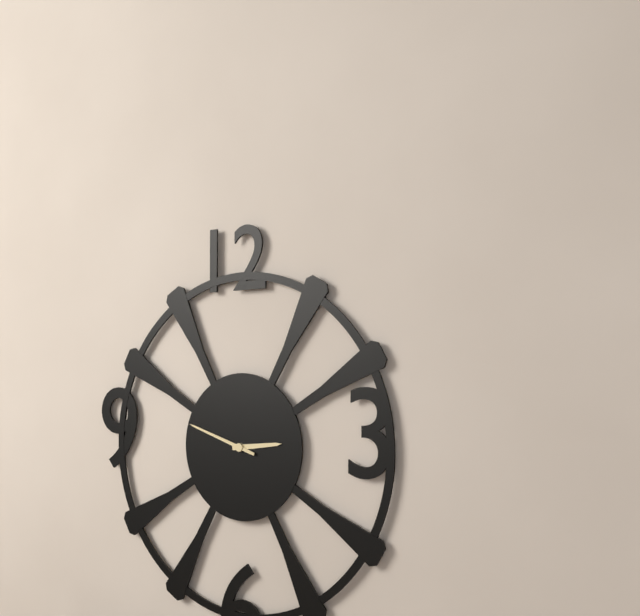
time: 2:48
